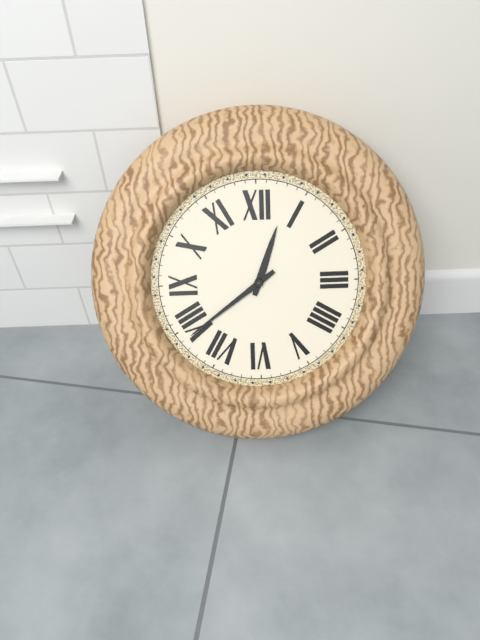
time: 12:39
